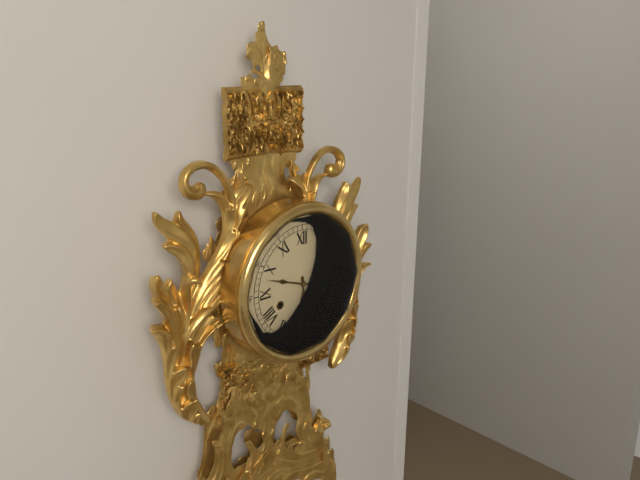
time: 5:48
